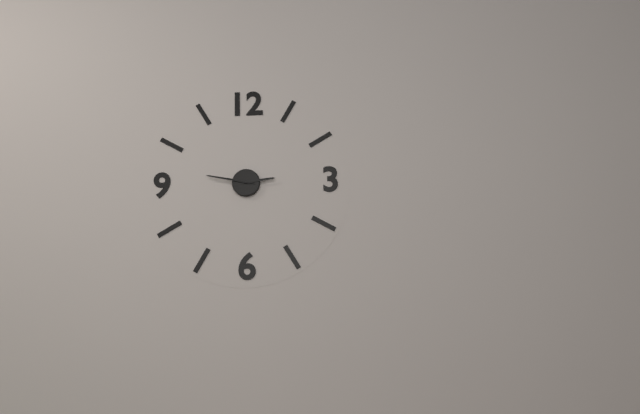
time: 2:47
